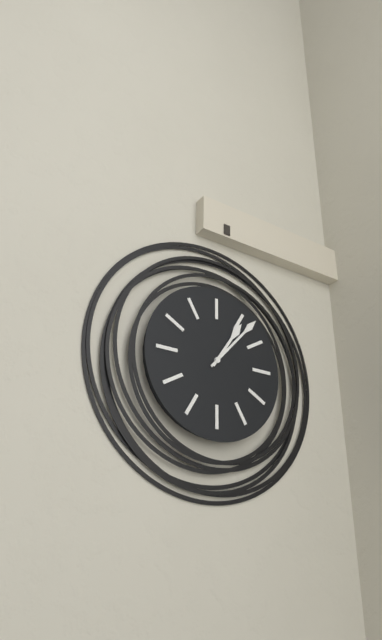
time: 1:07
